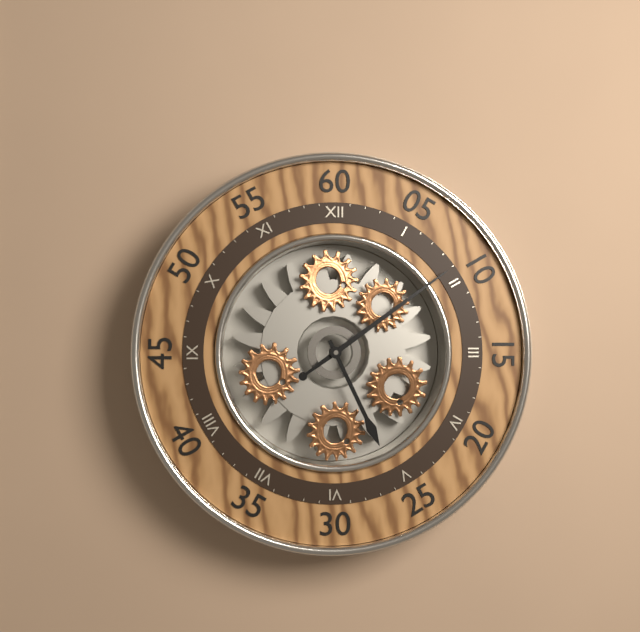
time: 5:09
